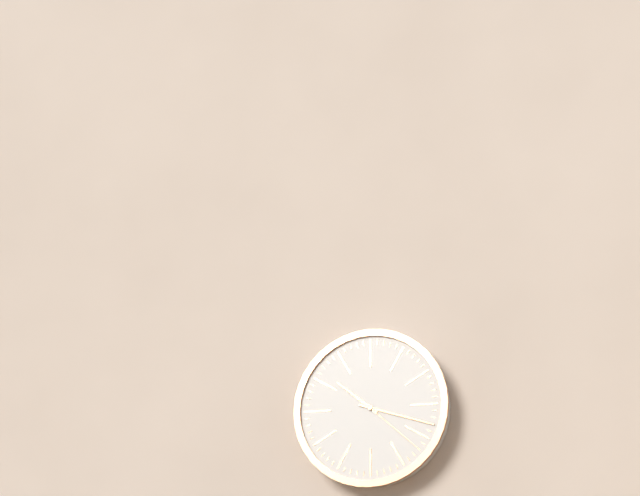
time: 10:18:22
